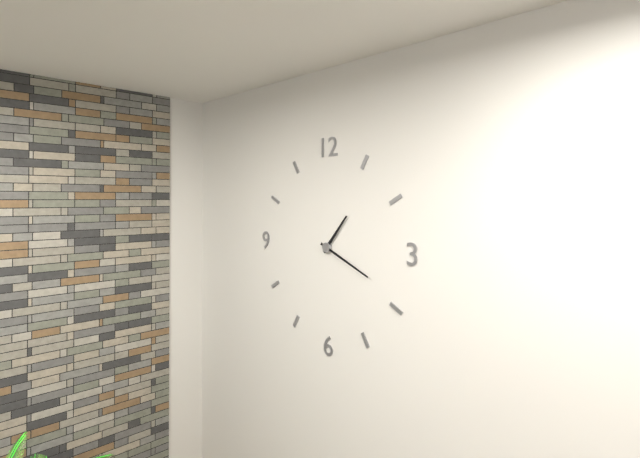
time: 1:19
